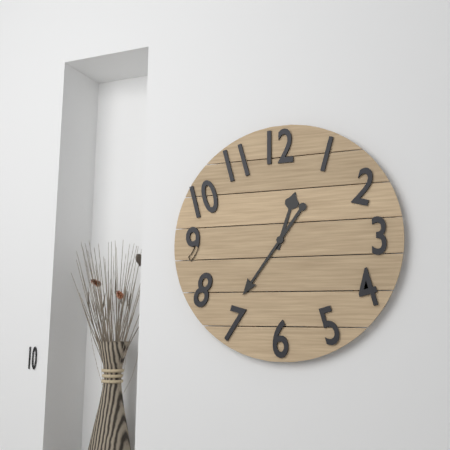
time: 12:36
